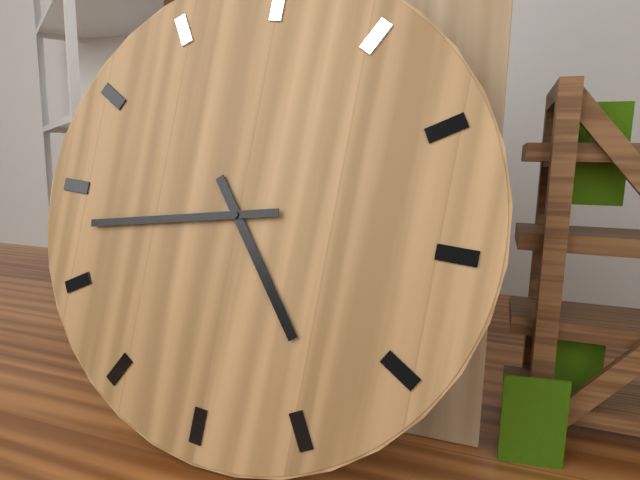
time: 4:43
